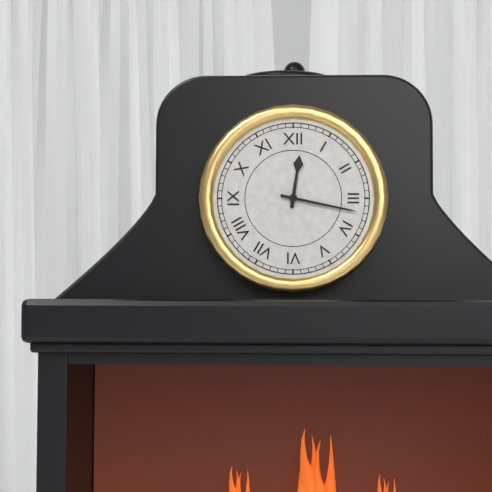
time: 12:17
